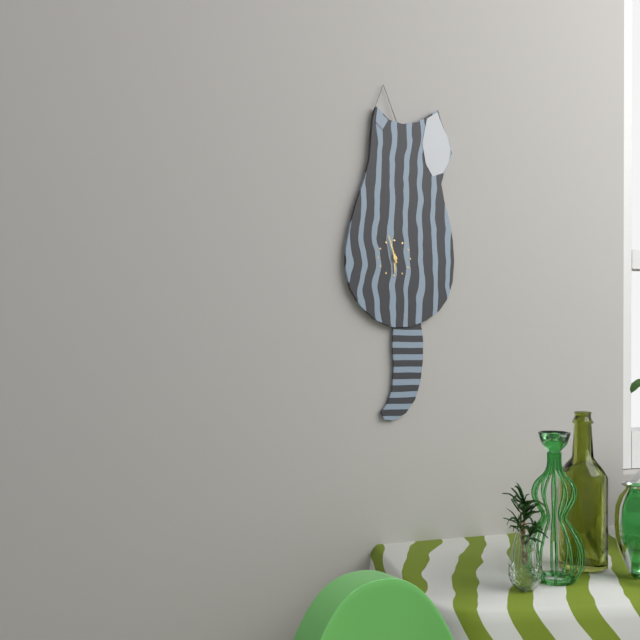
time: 5:57
